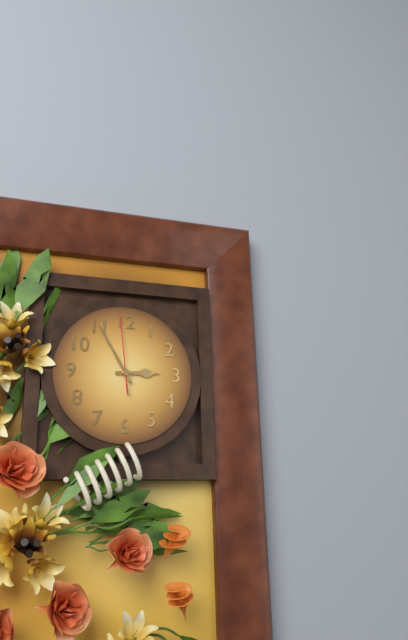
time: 2:55:59
